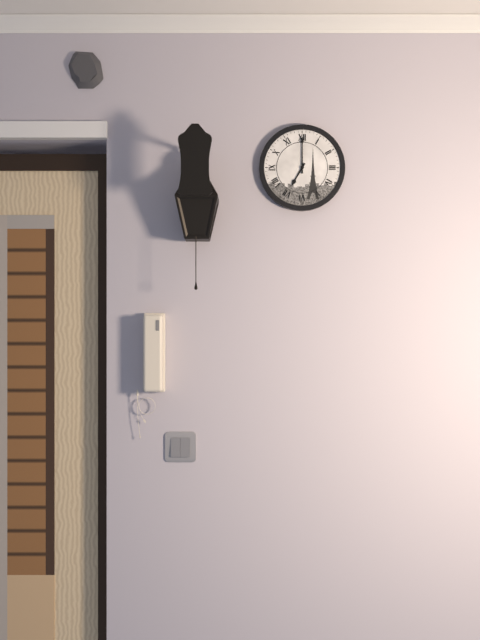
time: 7:00
